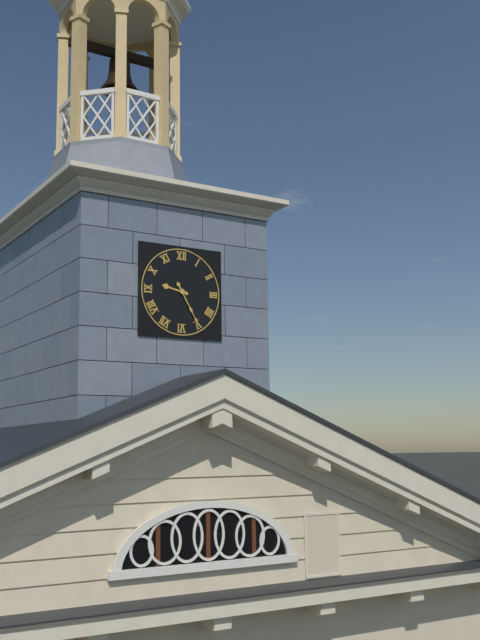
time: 9:25
